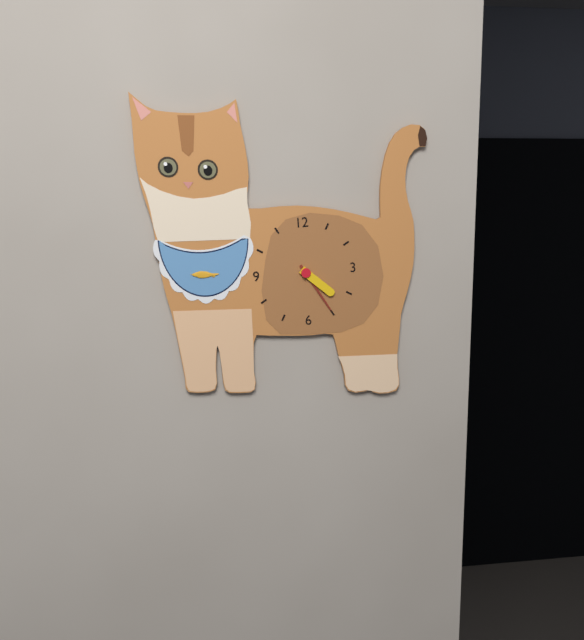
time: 4:25
